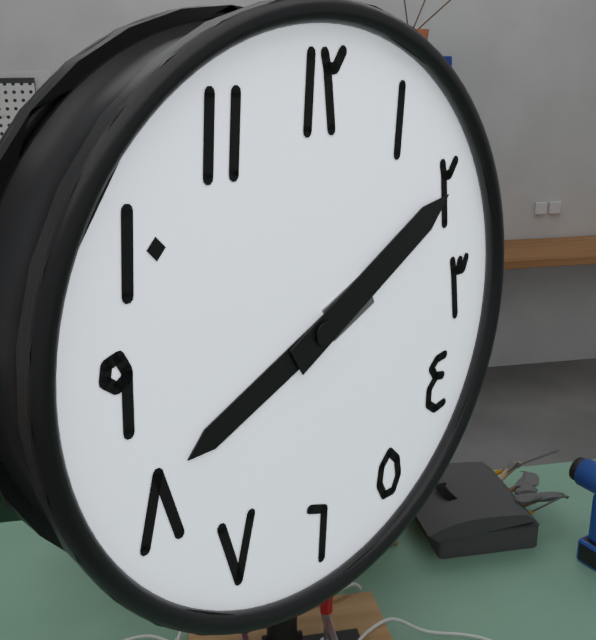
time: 8:10
